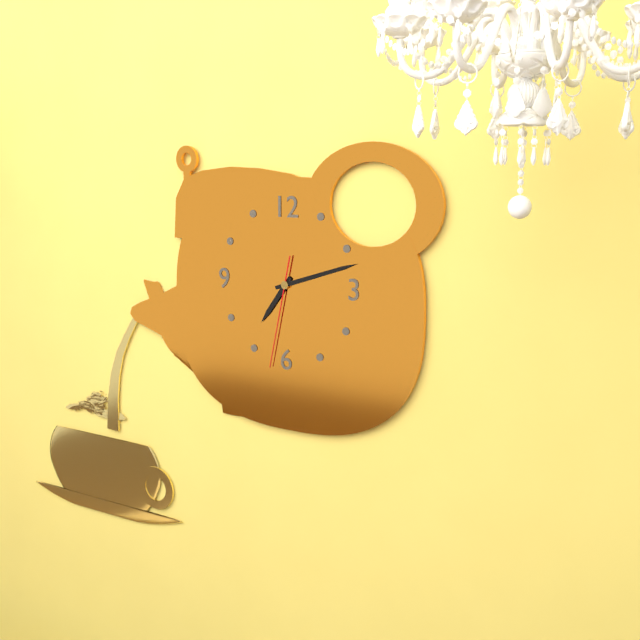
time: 7:12:32
